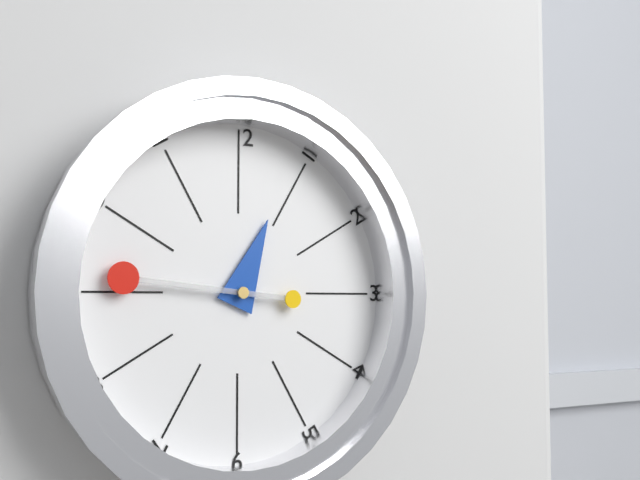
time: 12:46
